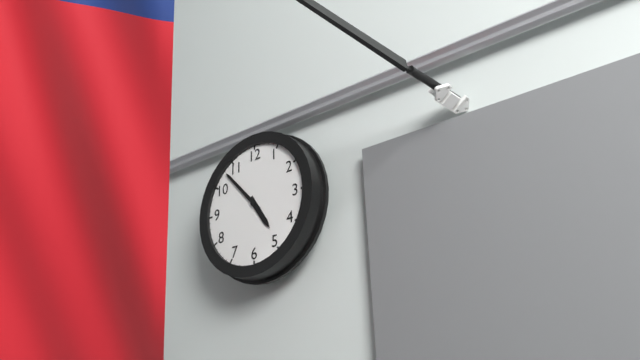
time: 4:53
